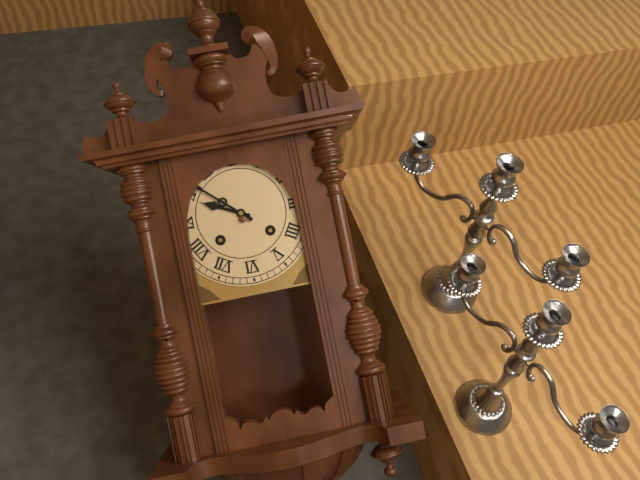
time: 9:52
